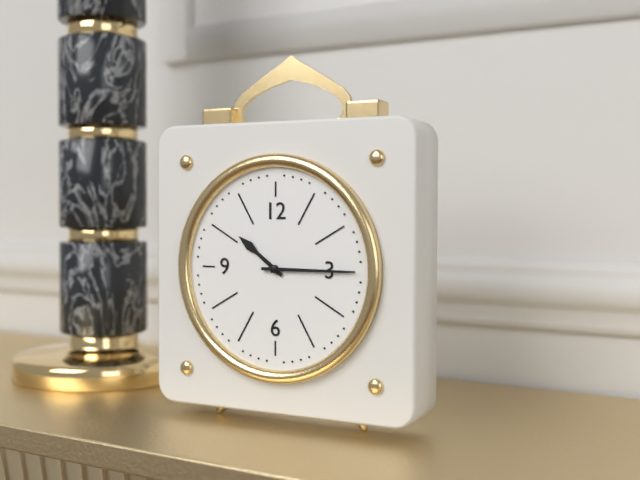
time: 10:15
